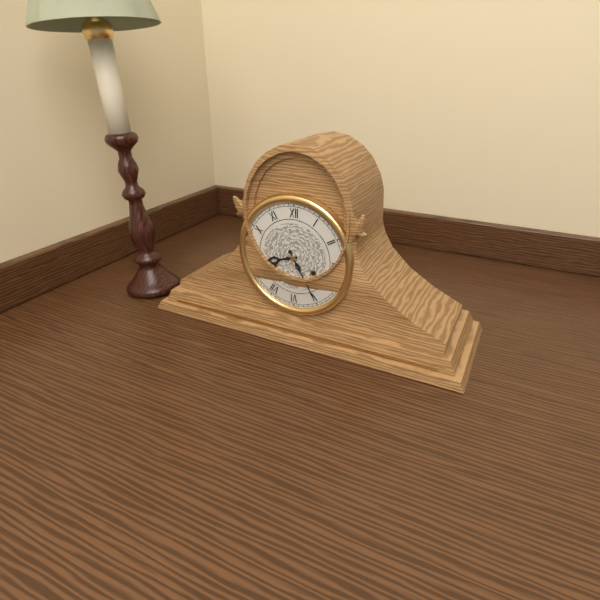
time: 8:25
